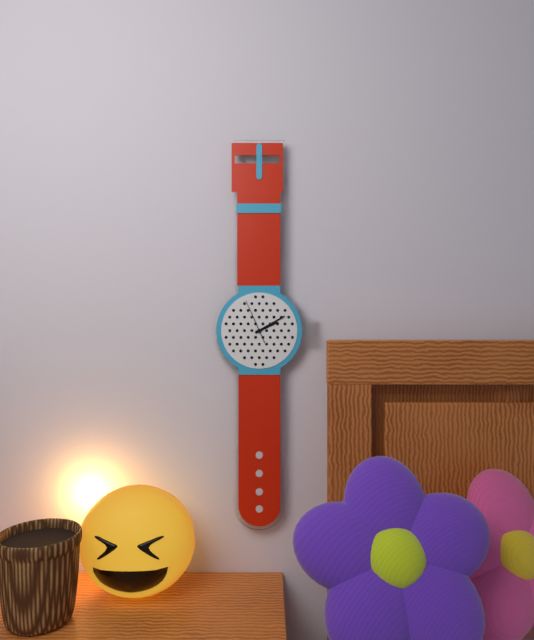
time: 2:10
